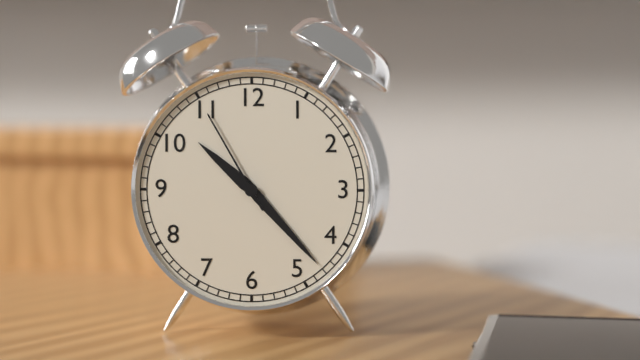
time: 10:23:55
